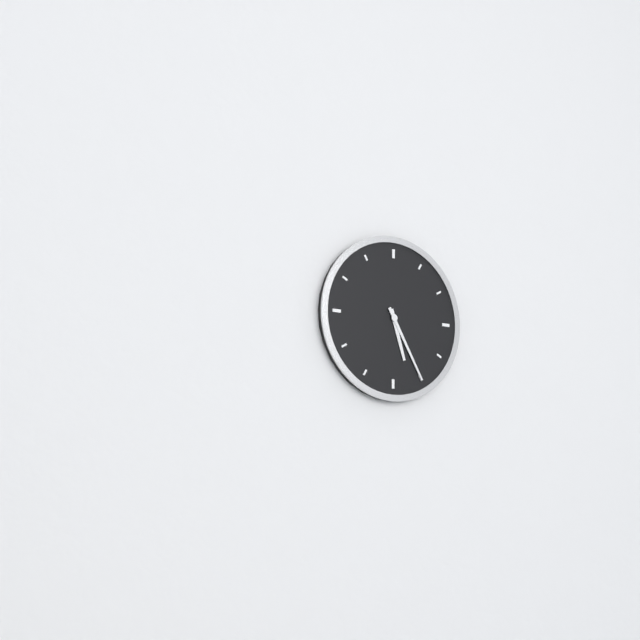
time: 5:25
